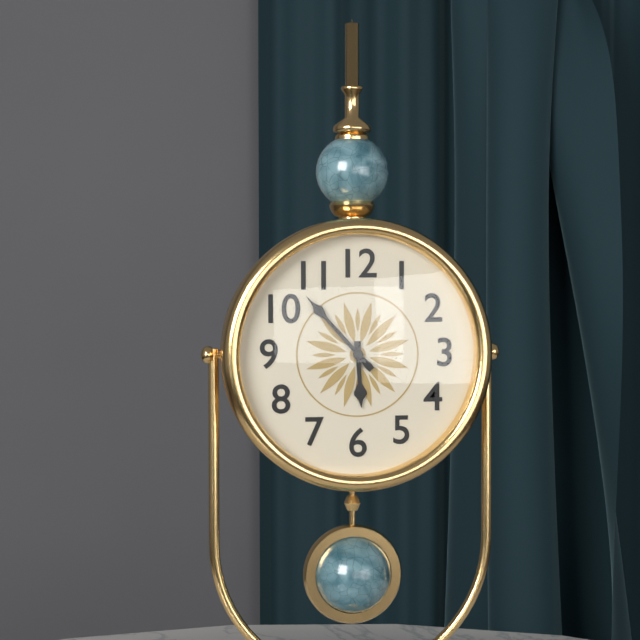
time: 5:53
